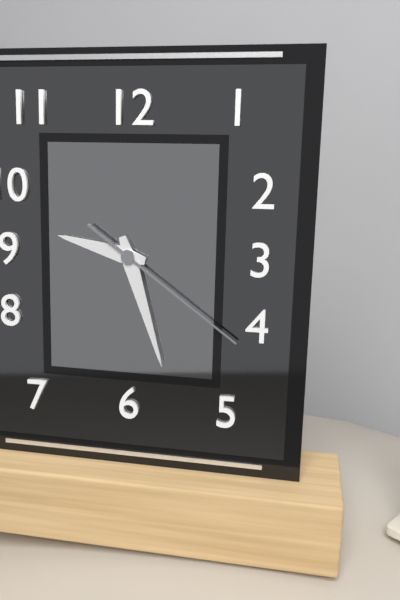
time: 9:27:21
